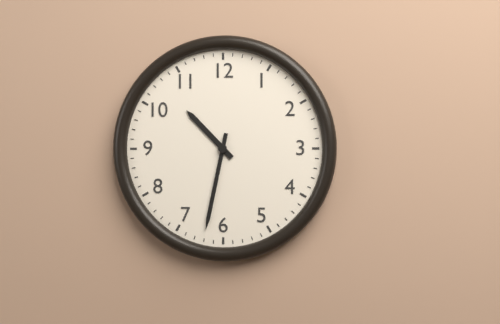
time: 10:32
